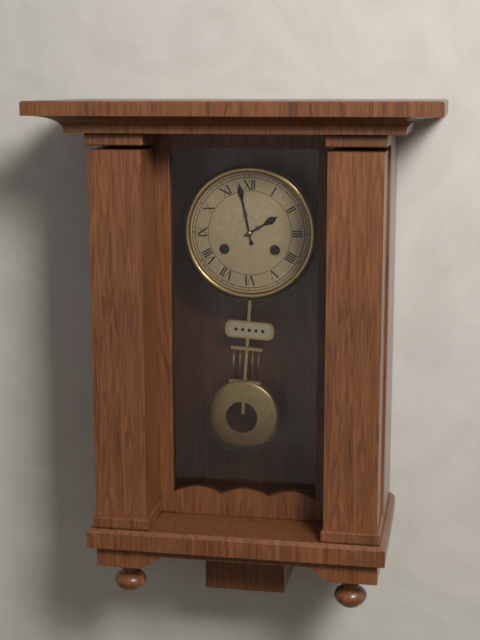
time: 1:58
